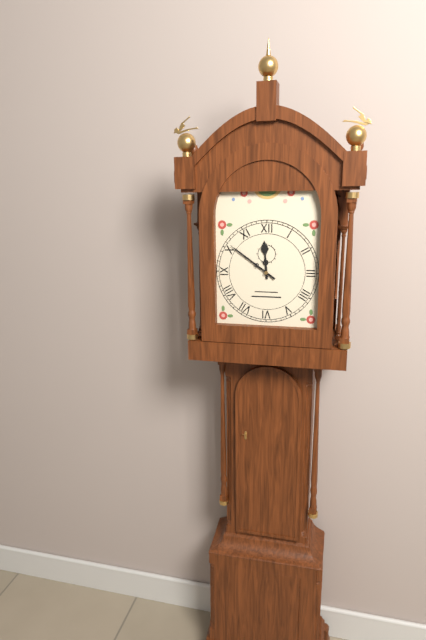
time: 11:51
